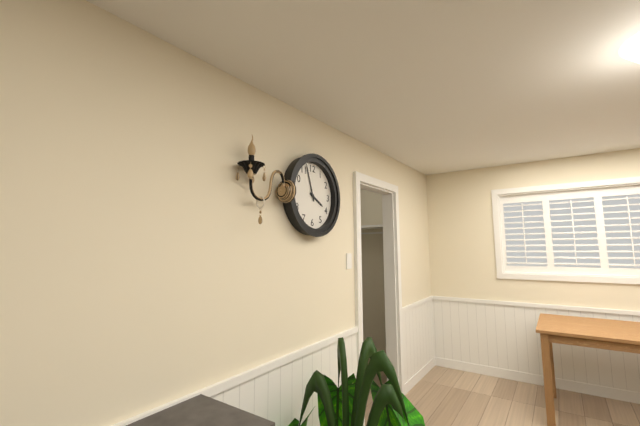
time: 3:57
